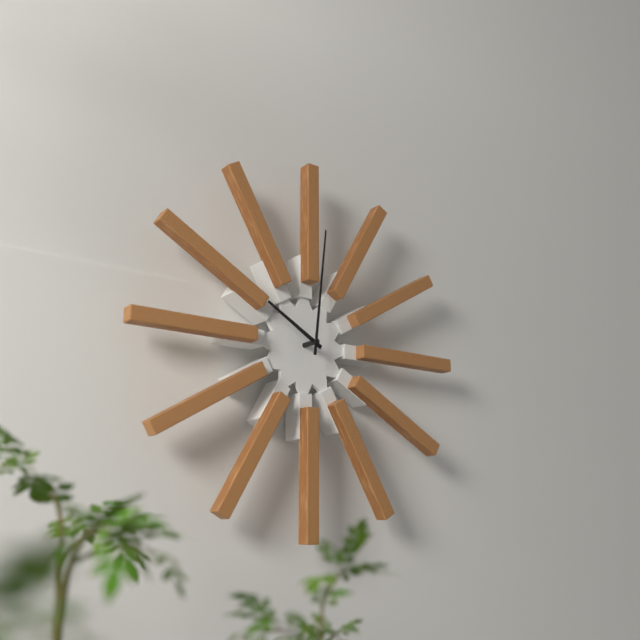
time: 10:01
